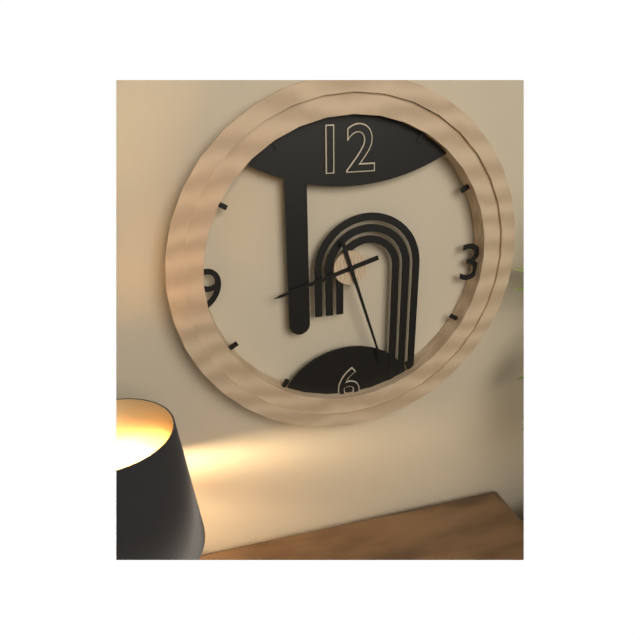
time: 8:27
